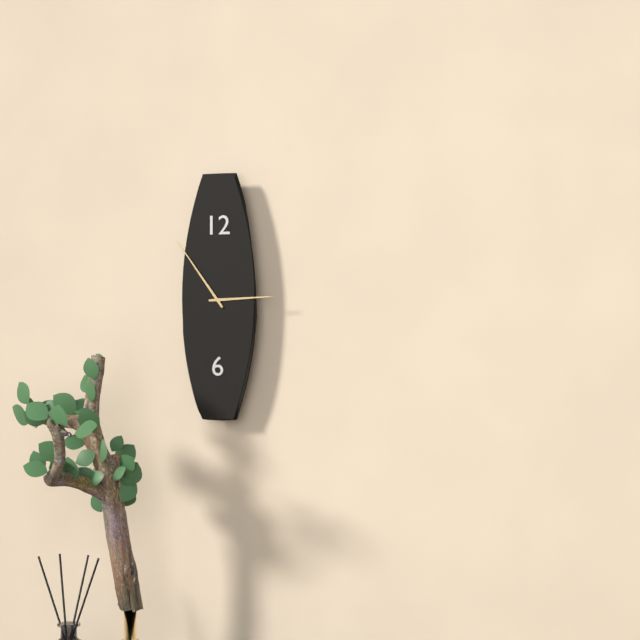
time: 2:54
